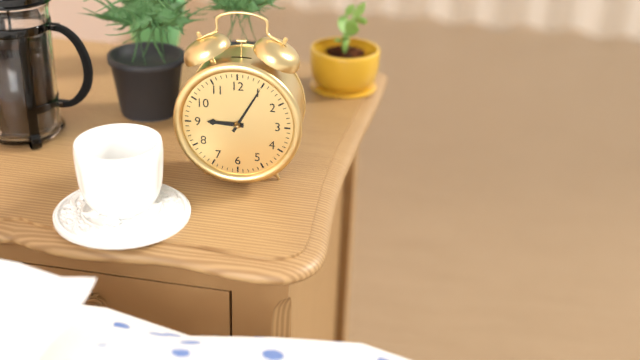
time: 9:05
